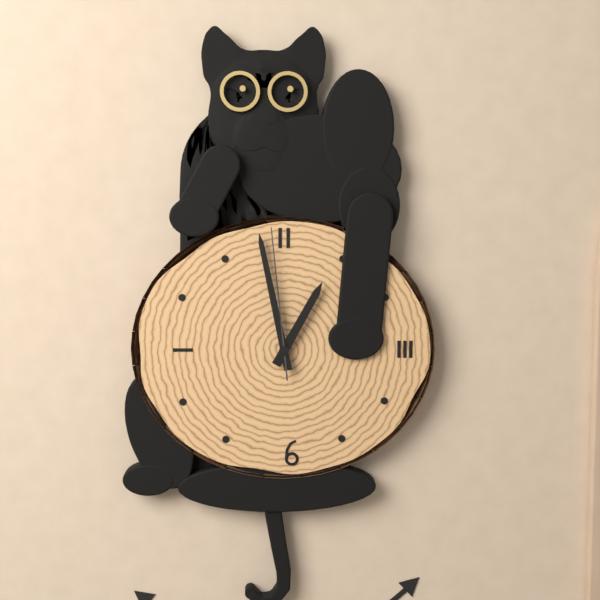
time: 12:58:59
